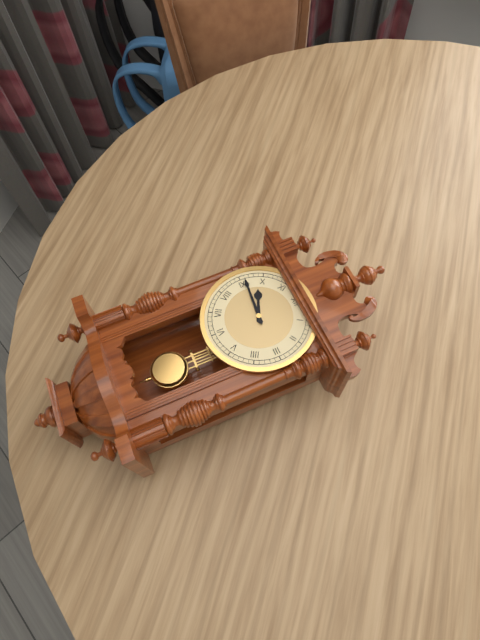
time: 9:46
